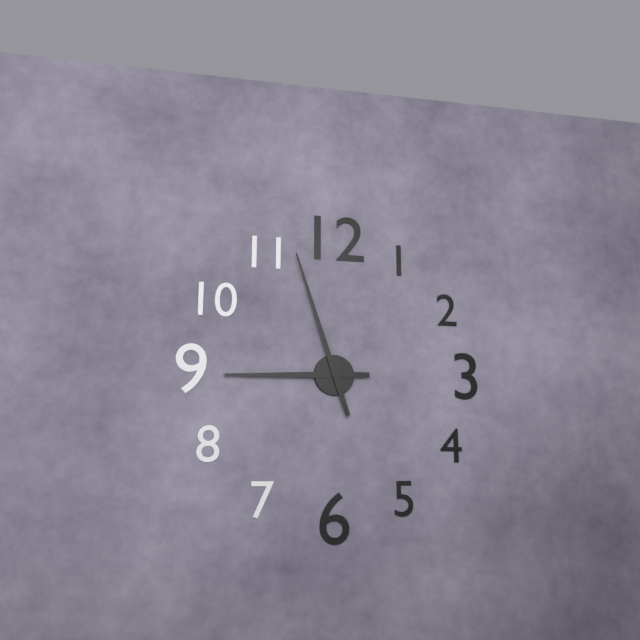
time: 8:57
